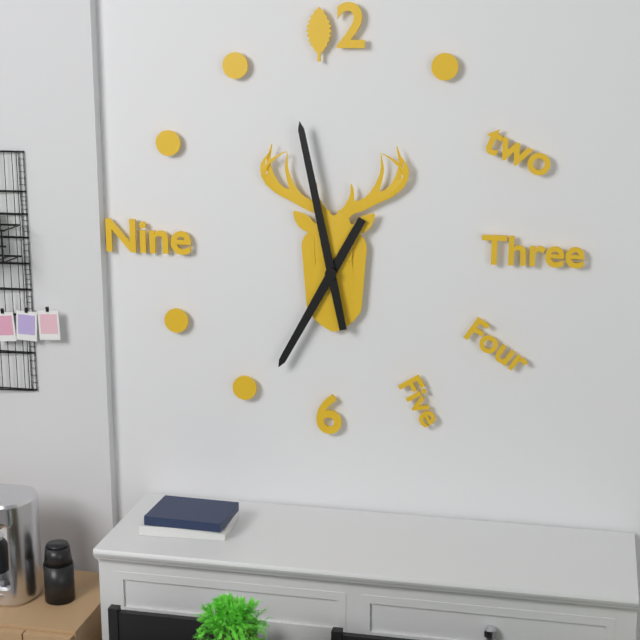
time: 6:58
